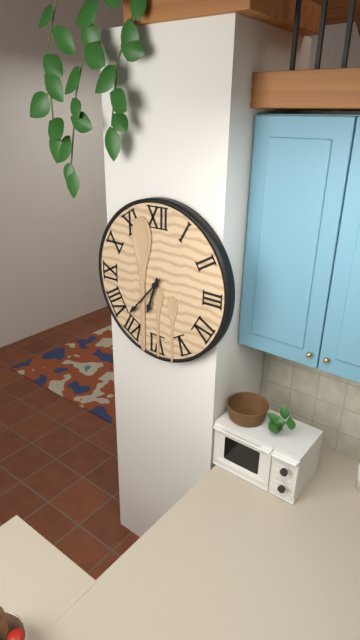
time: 6:37
